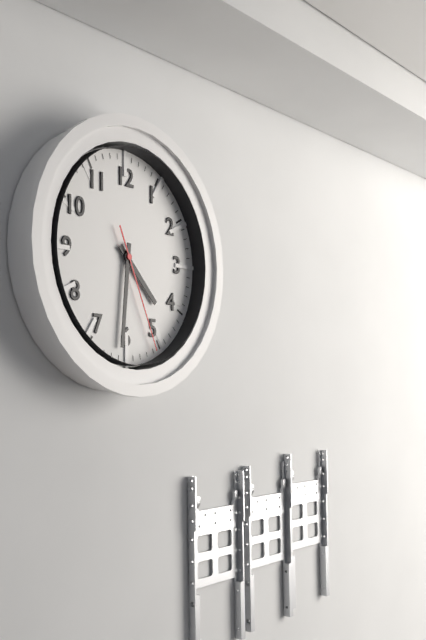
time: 4:31:26
